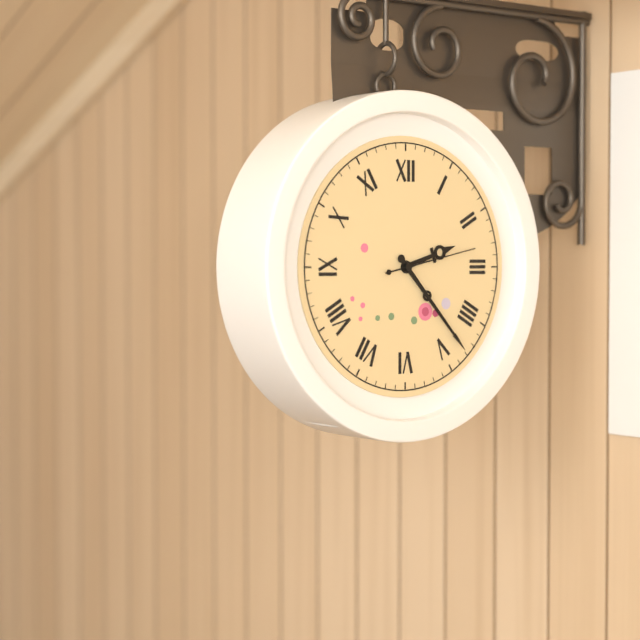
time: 2:23:13
